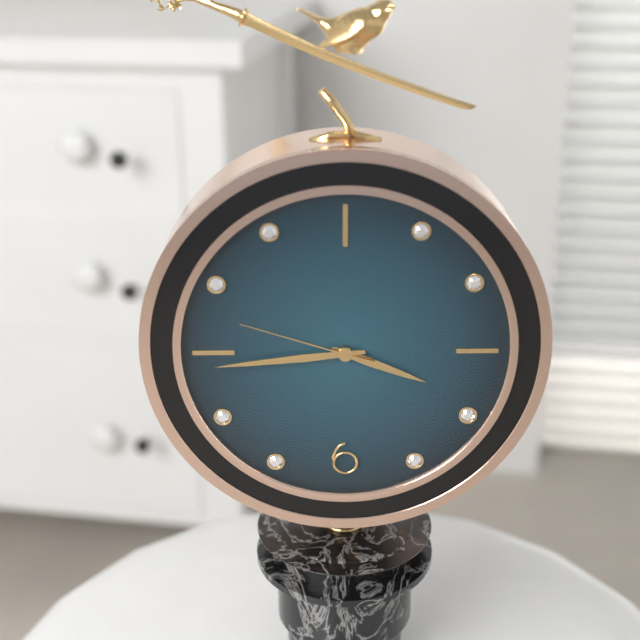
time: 3:44:48
